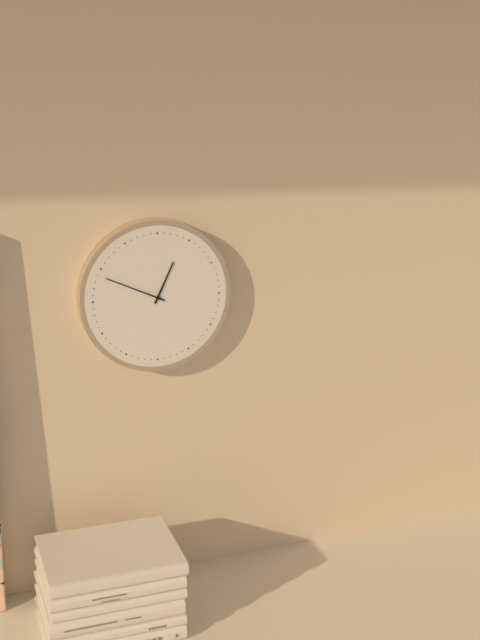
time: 12:49
